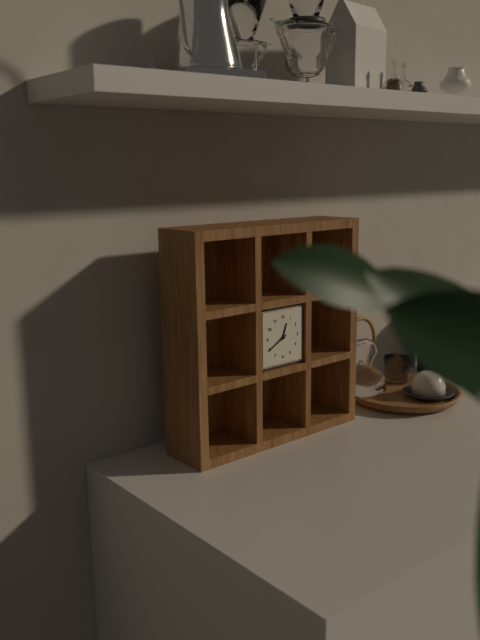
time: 12:40
